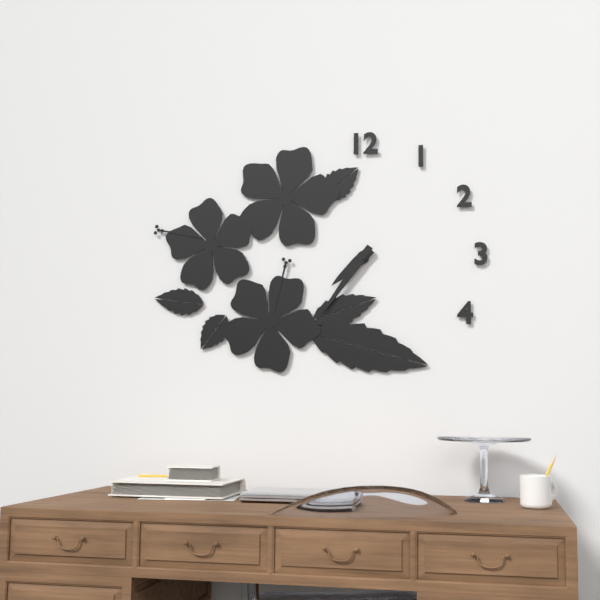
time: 7:36
